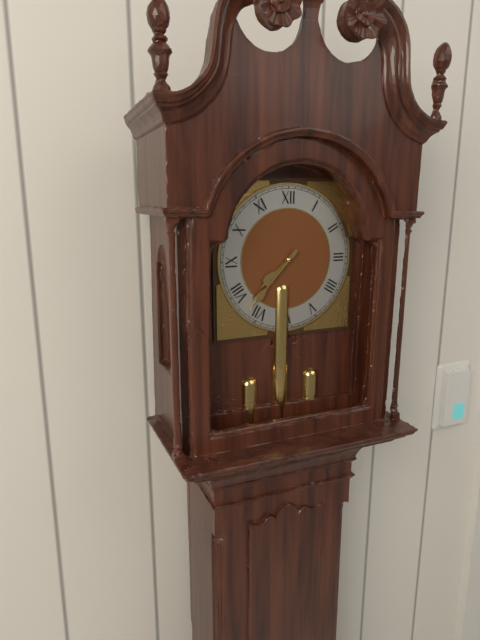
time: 7:37
